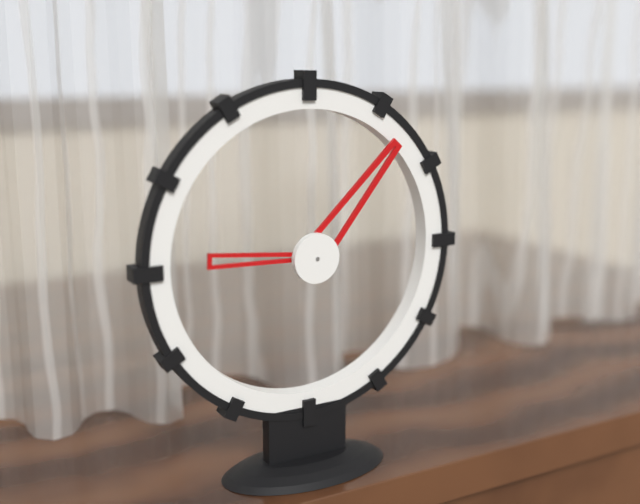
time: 9:07
